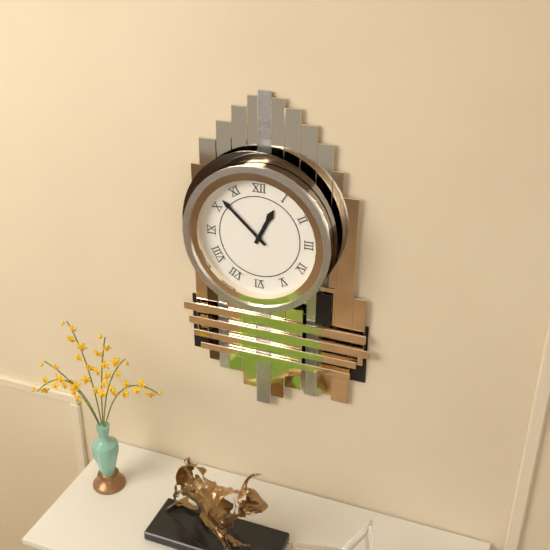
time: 12:52
